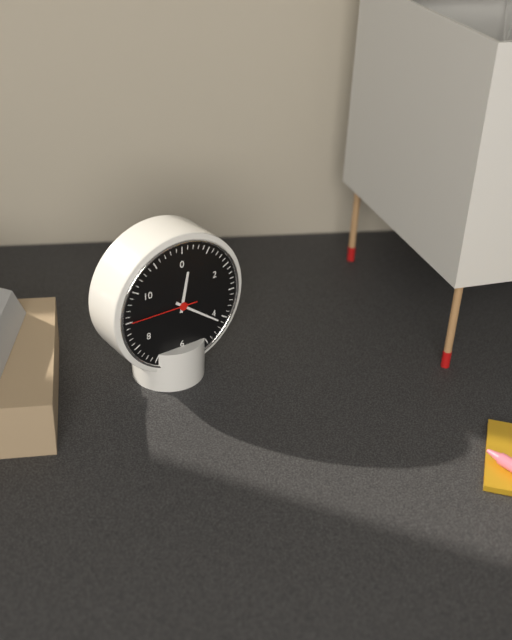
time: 12:21:45
